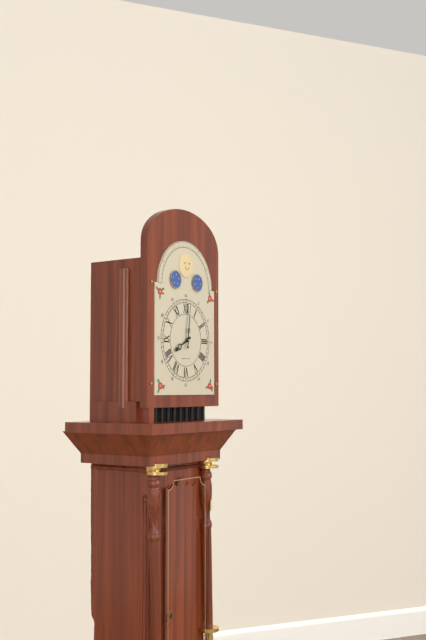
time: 8:01
